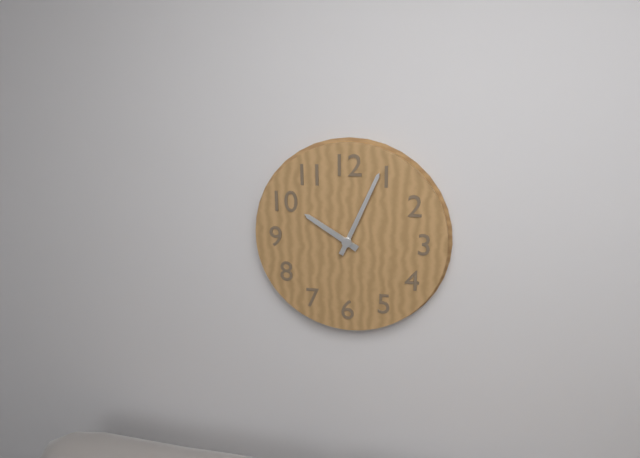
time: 10:04
